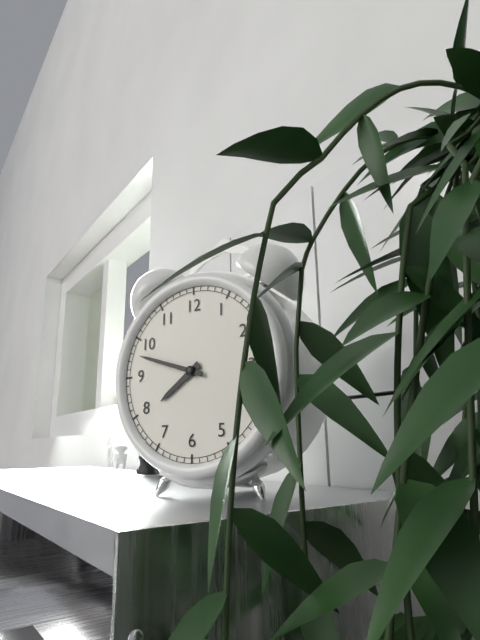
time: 7:48
